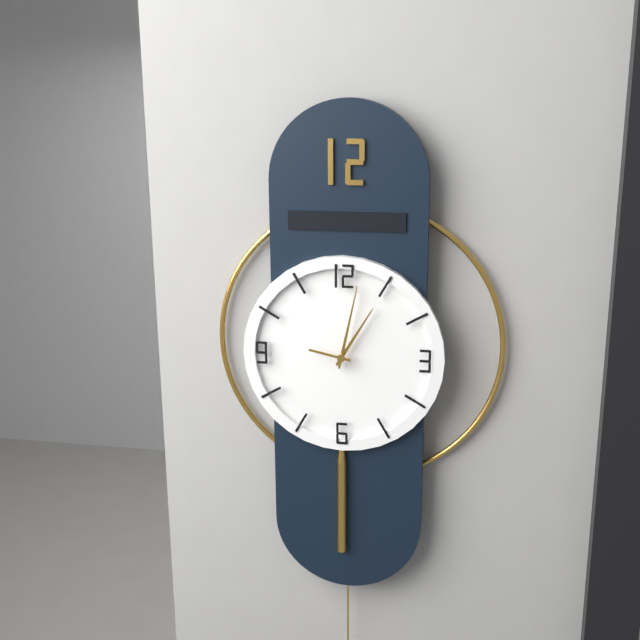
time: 1:02
